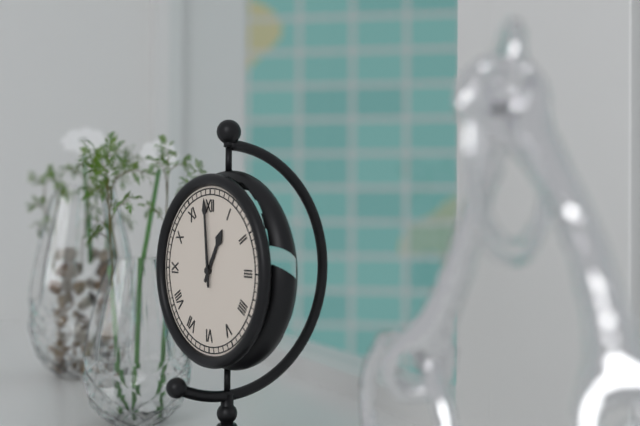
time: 12:59
